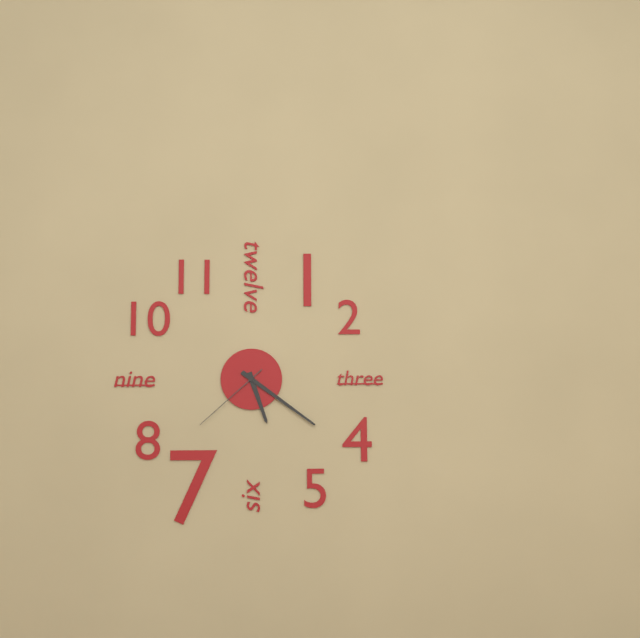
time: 5:21:38
